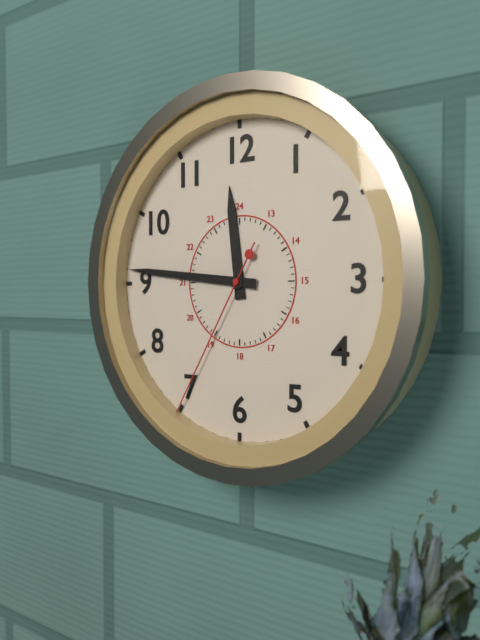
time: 11:46:35
